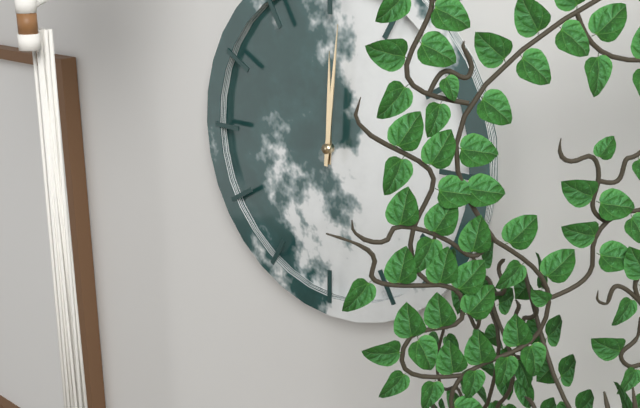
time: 12:01
